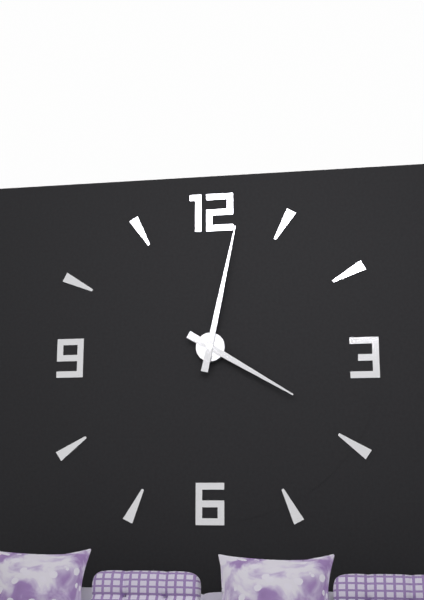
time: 4:02
